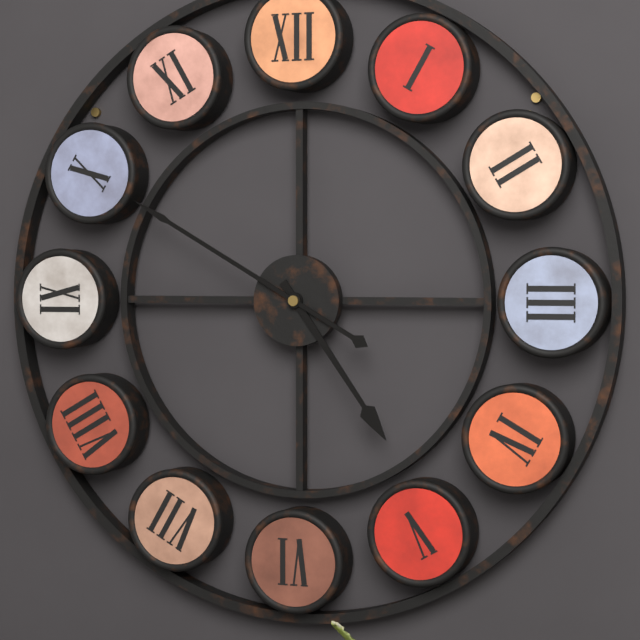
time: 4:50
